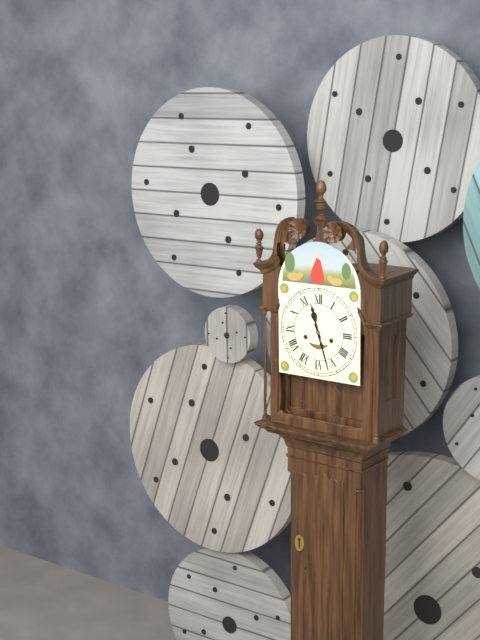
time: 11:27
